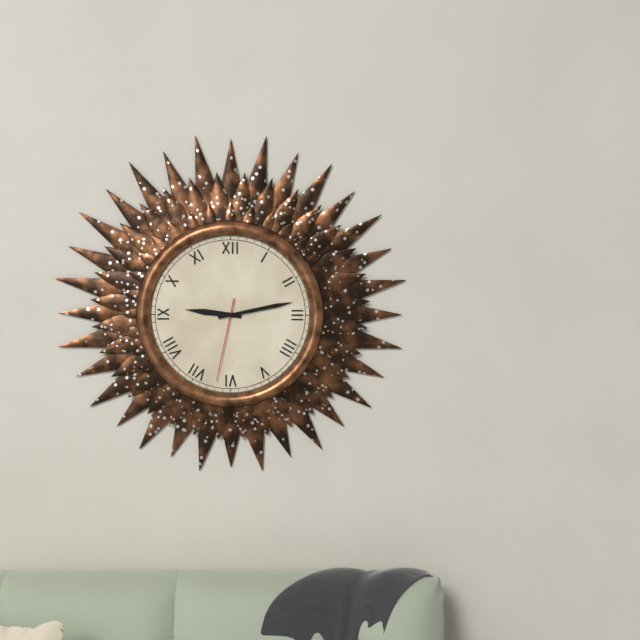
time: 9:13:32
